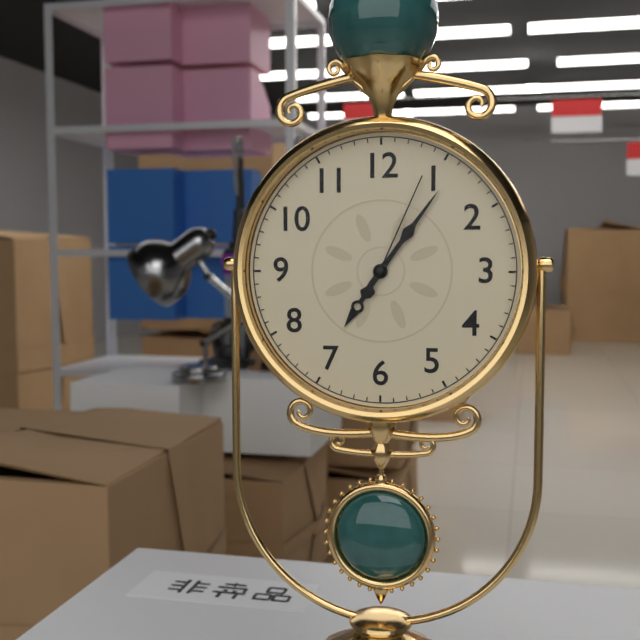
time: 7:06:04
